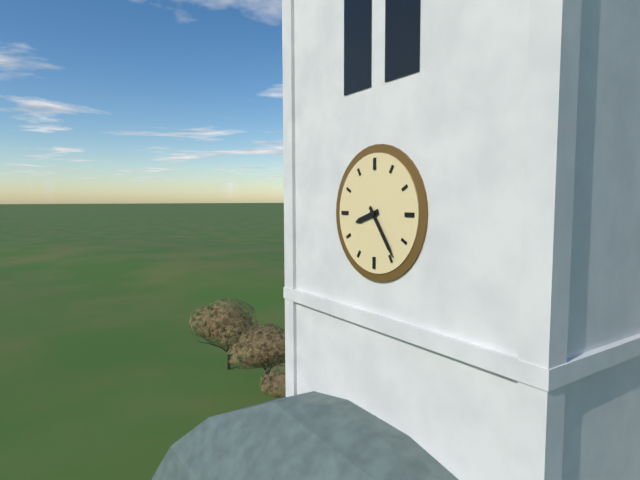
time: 8:24
